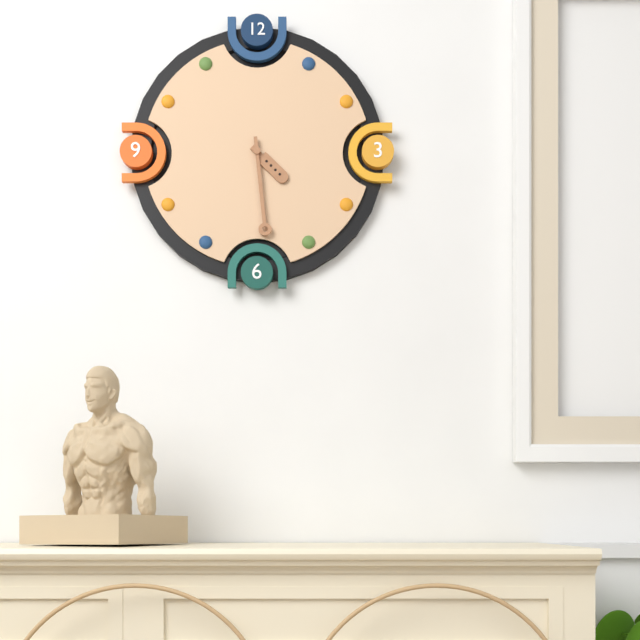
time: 4:29
